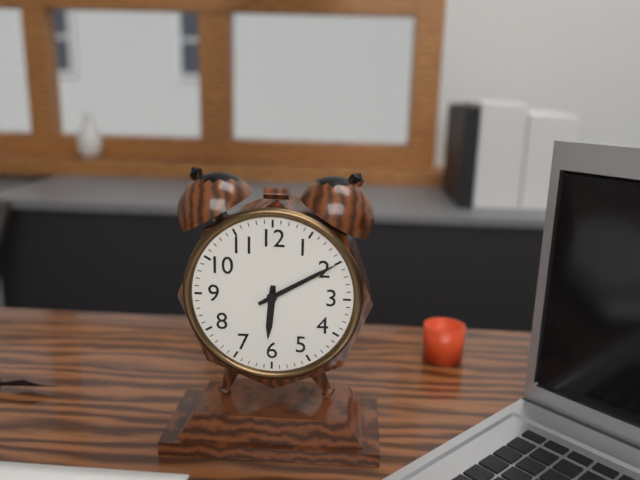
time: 6:10
